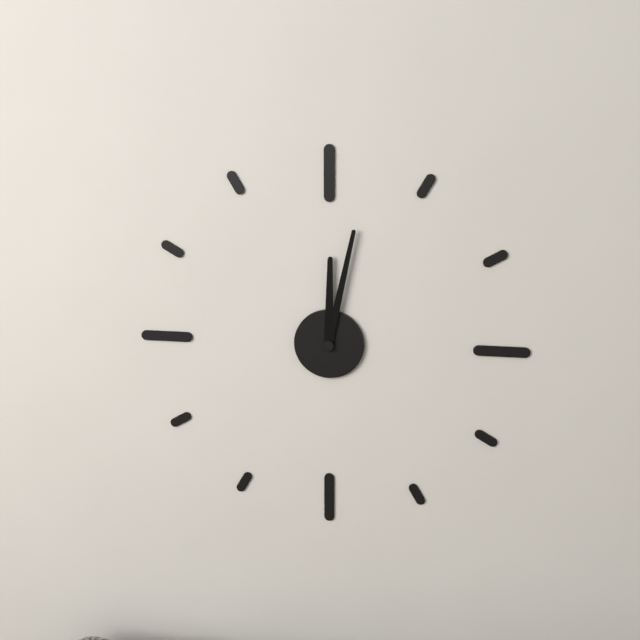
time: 12:02
